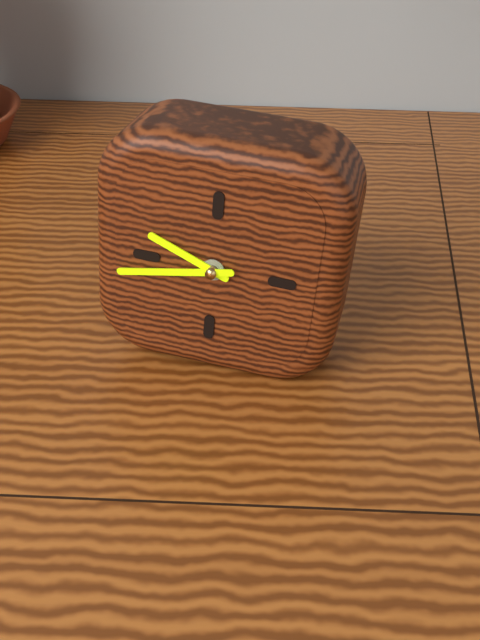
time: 9:43
